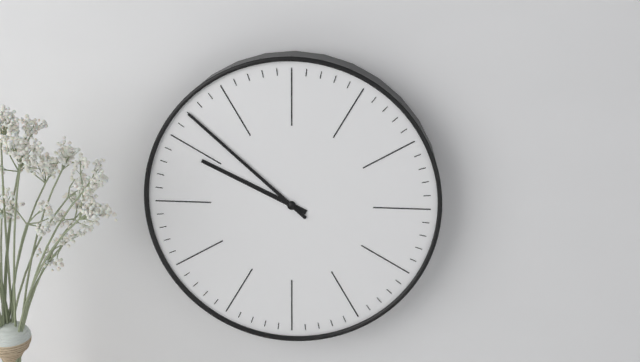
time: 9:52
